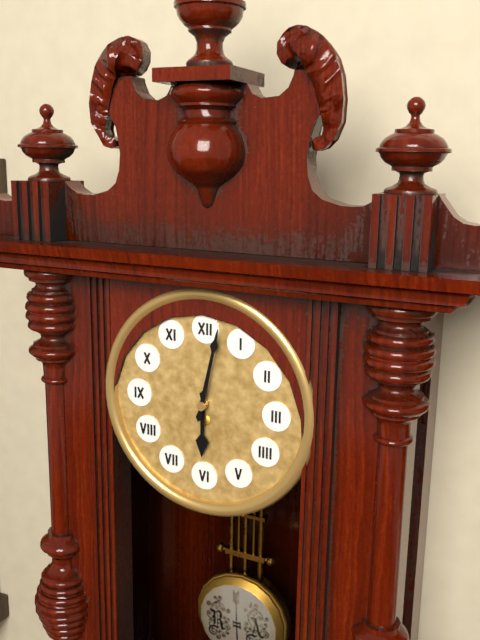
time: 6:02
